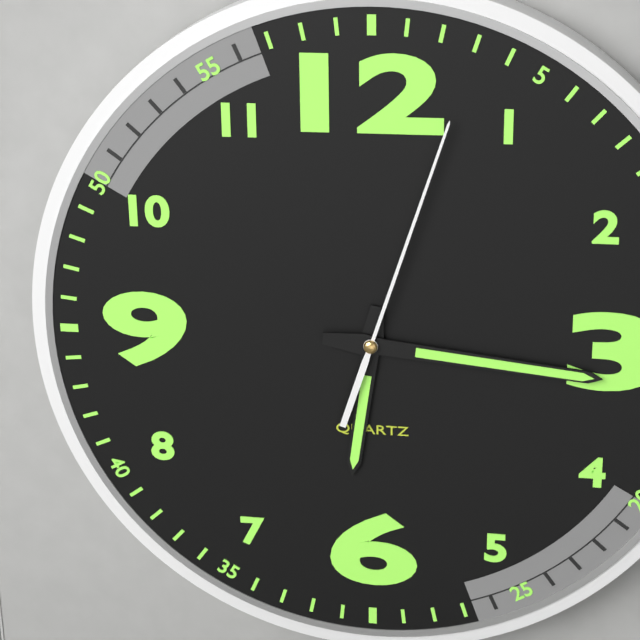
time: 6:16:03
